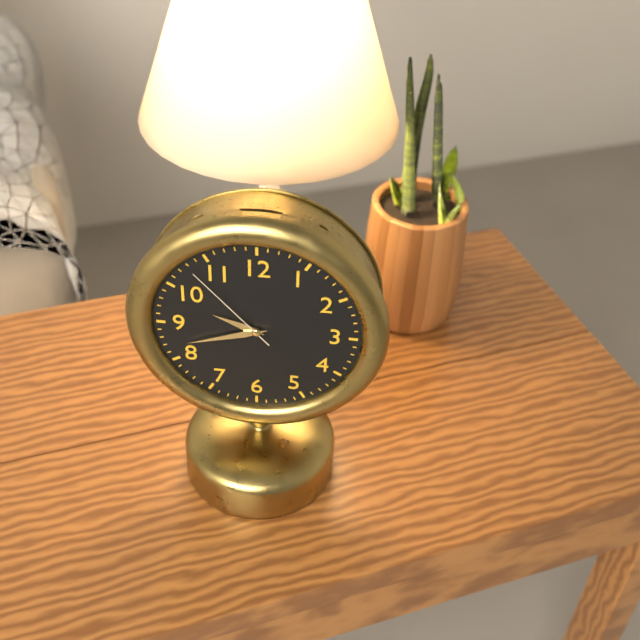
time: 9:42:53
